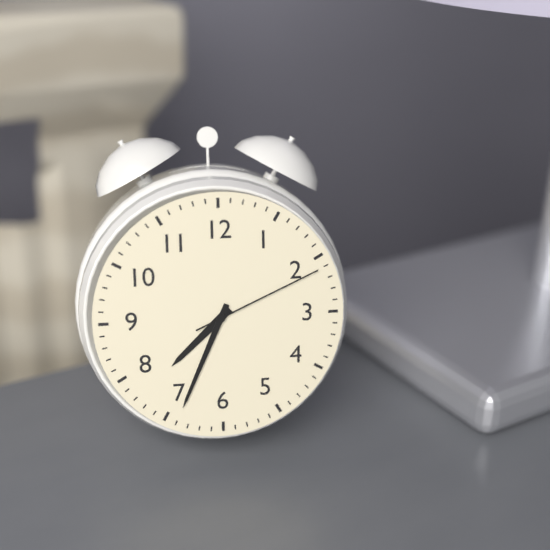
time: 7:34:11
